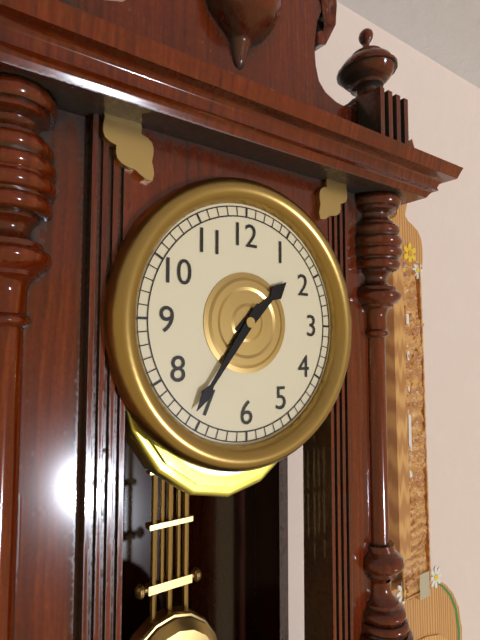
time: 1:36
